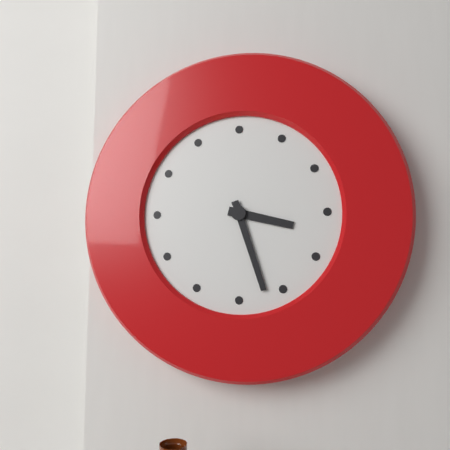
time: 3:27
